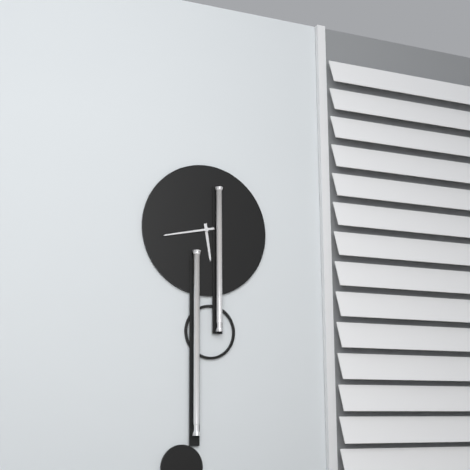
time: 5:43
